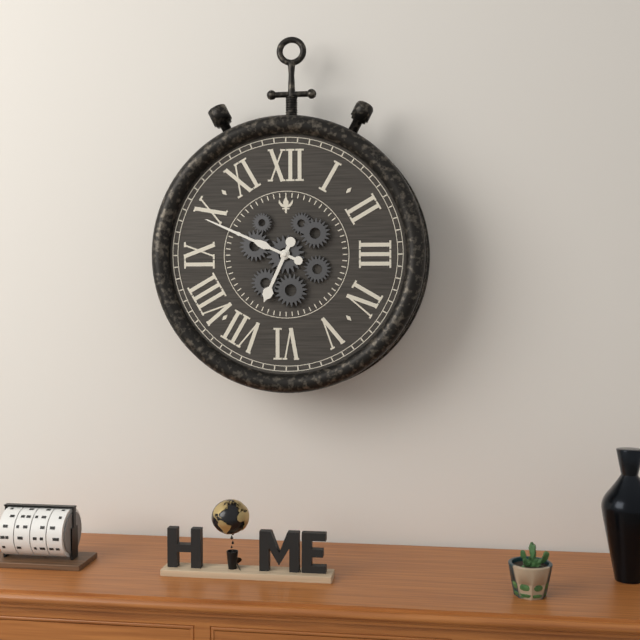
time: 6:49
